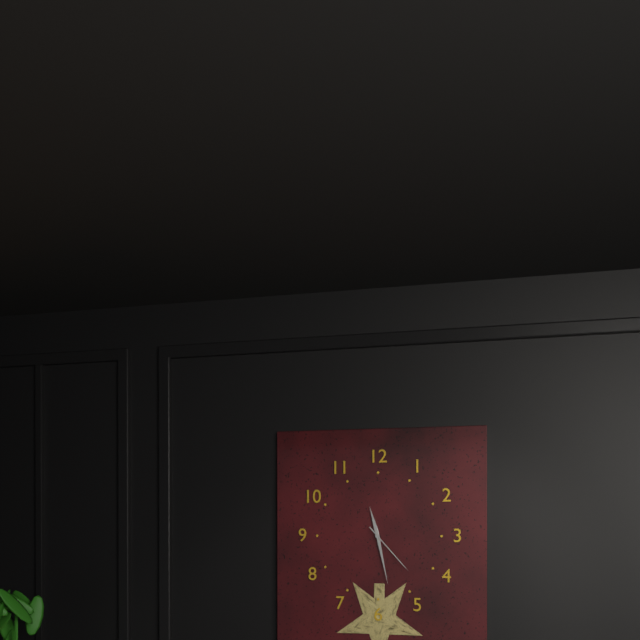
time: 11:28:23
